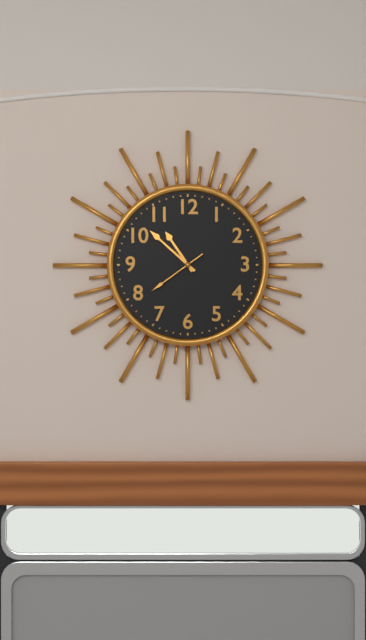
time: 10:52:39
